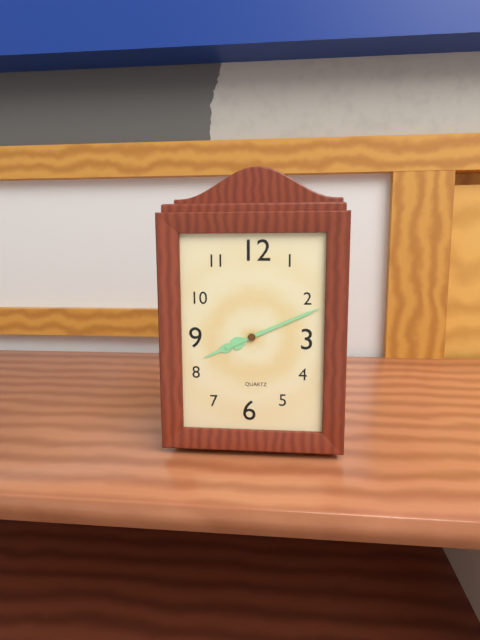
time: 8:11
